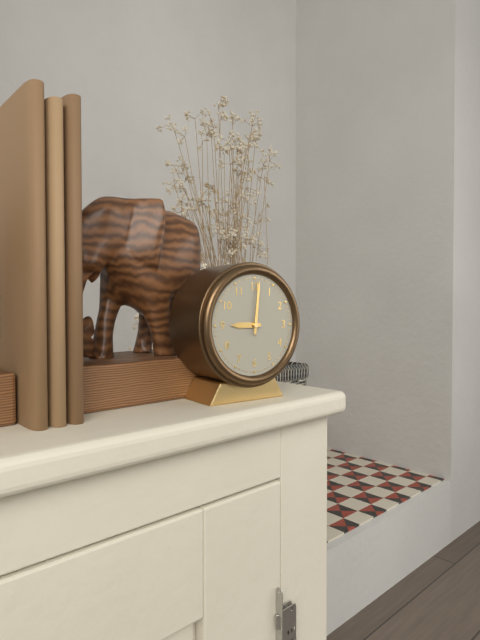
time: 9:01
